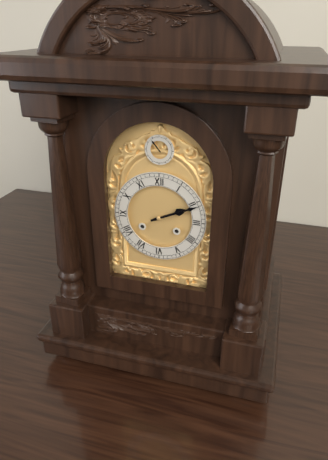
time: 2:11
